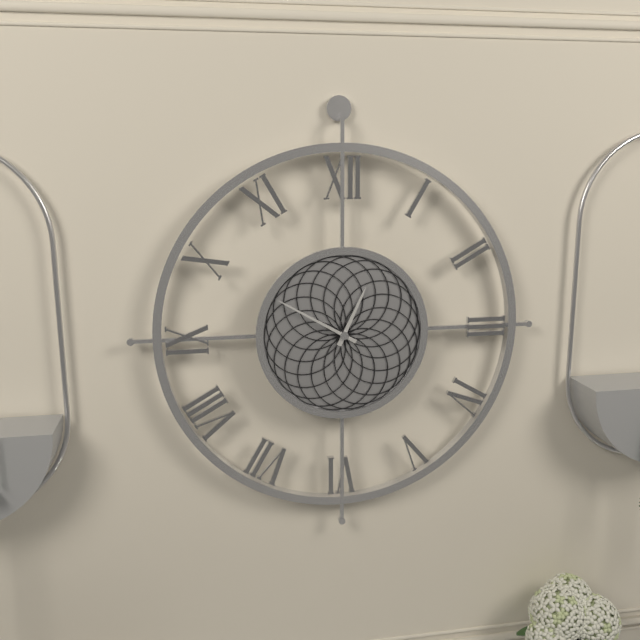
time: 12:50
